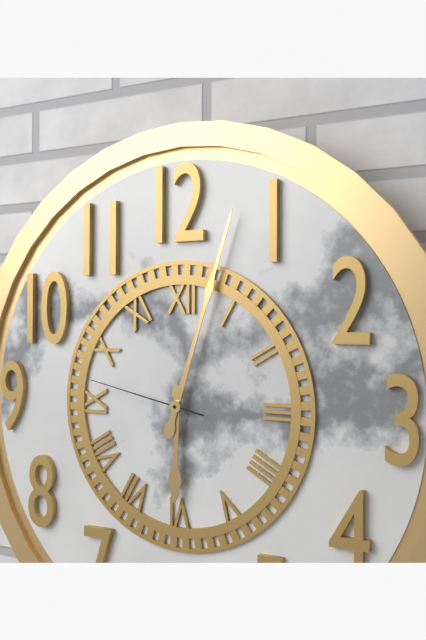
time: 6:03:47
